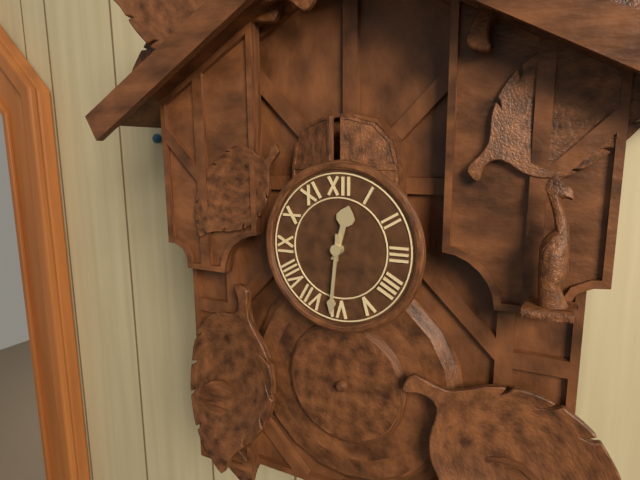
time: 12:31
